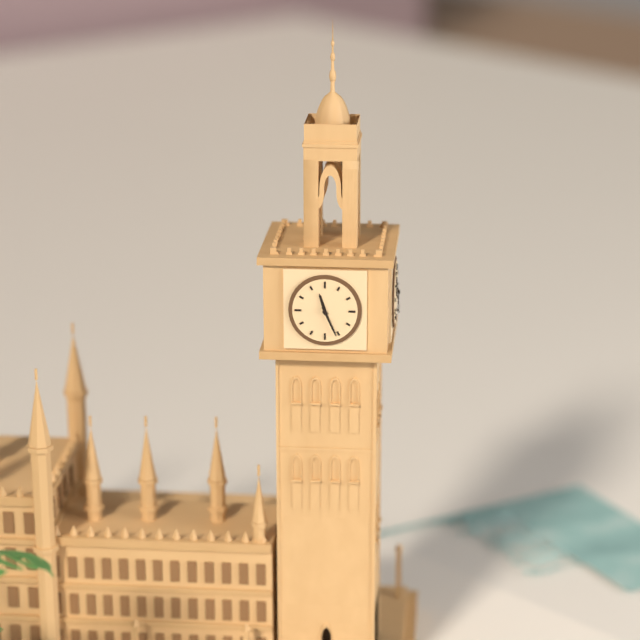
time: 11:26
